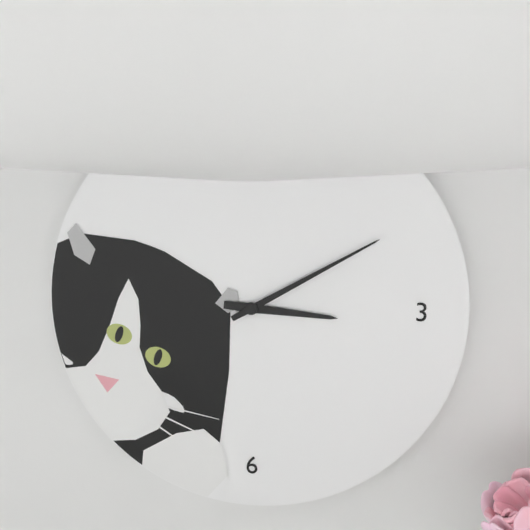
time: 3:10
